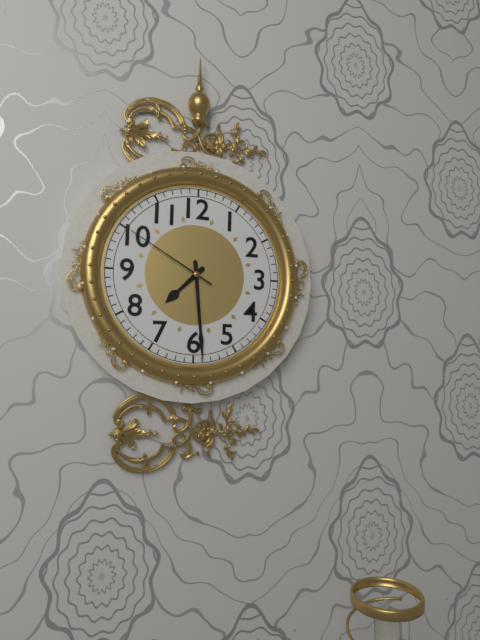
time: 7:29:50
